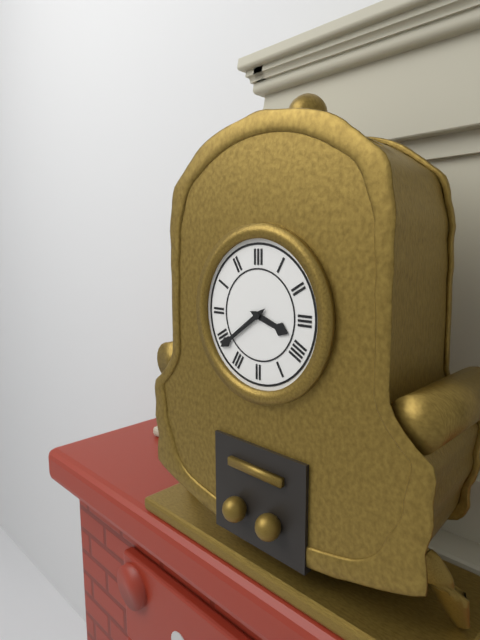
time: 3:39
